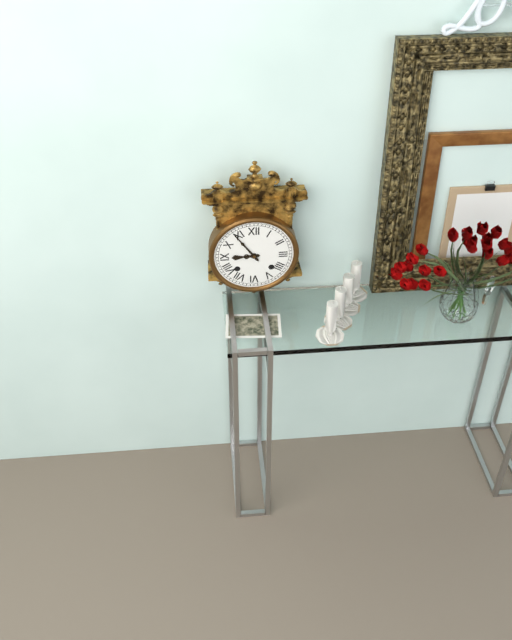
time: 8:54
